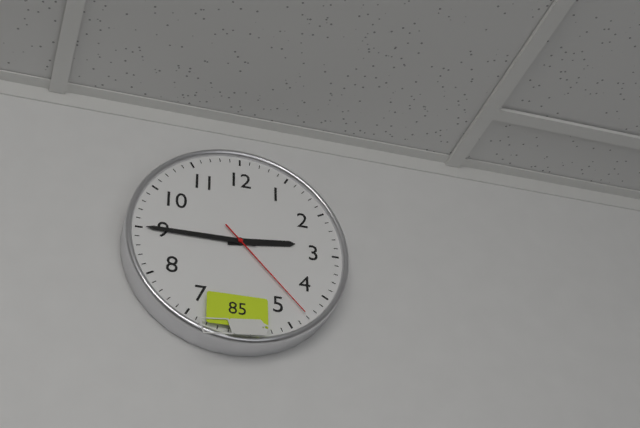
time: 2:45:23
